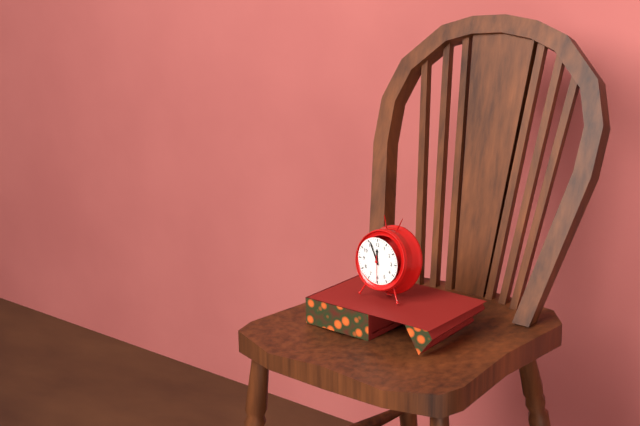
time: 11:56
